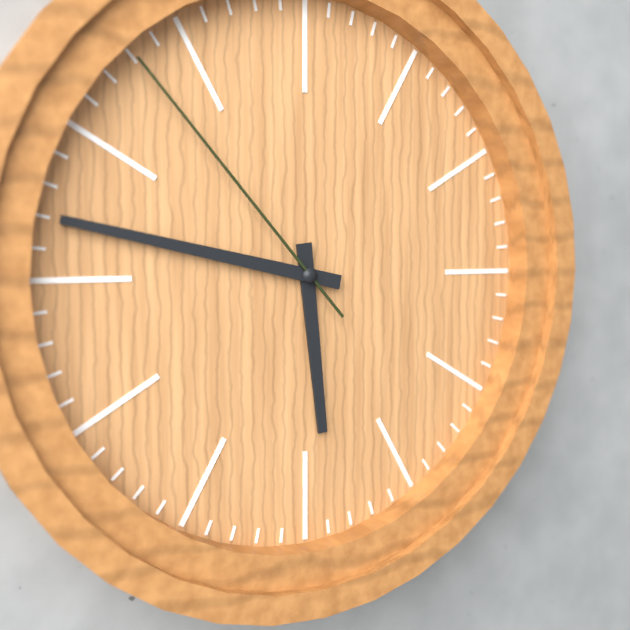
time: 5:47:53
